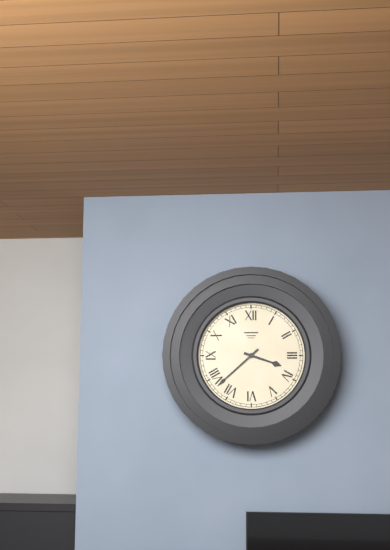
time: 3:38
